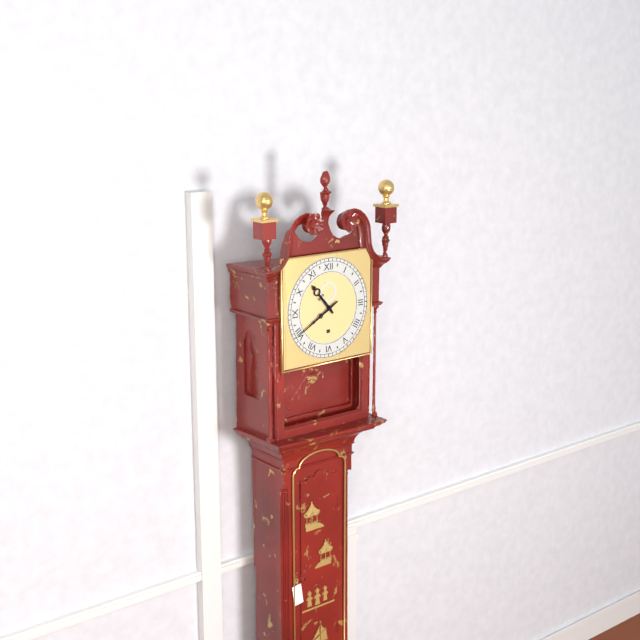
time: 10:40
